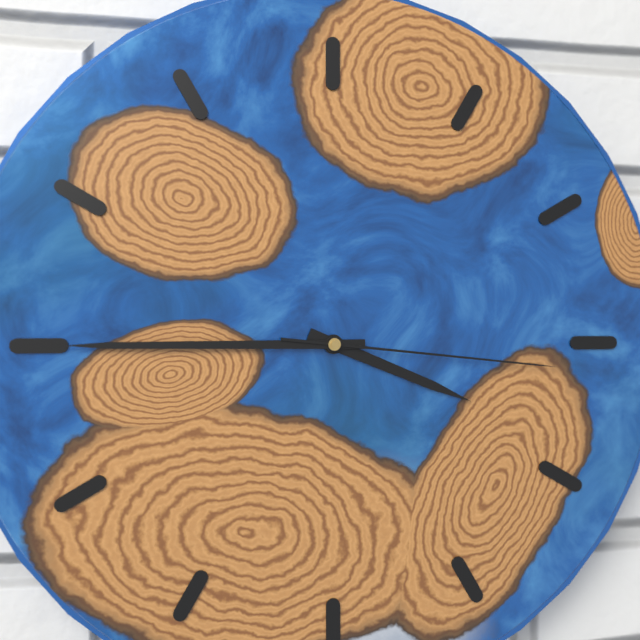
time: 3:45:16
